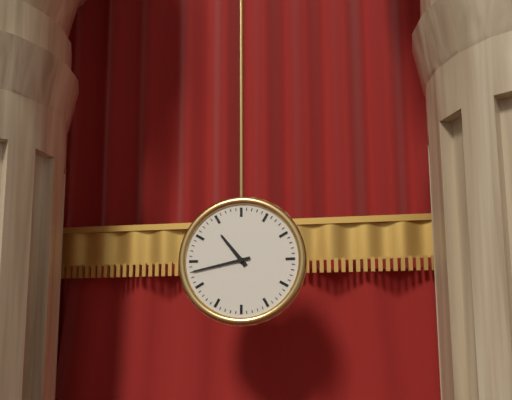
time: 10:43
